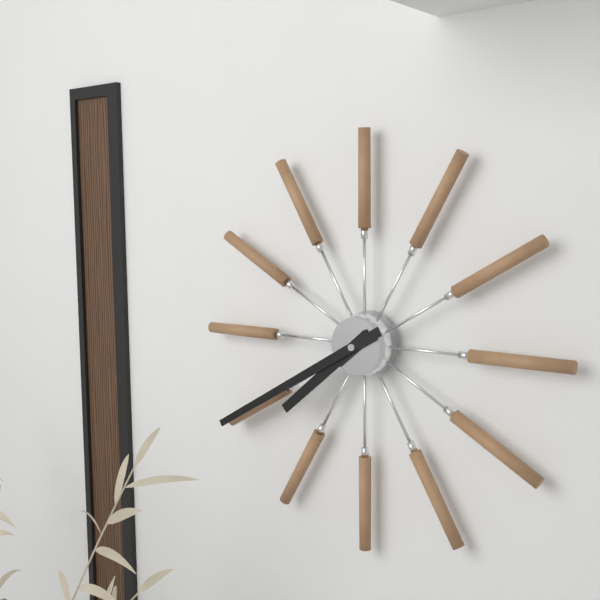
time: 7:40
